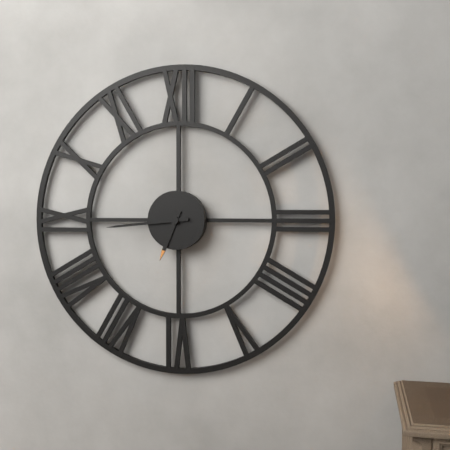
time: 6:44
